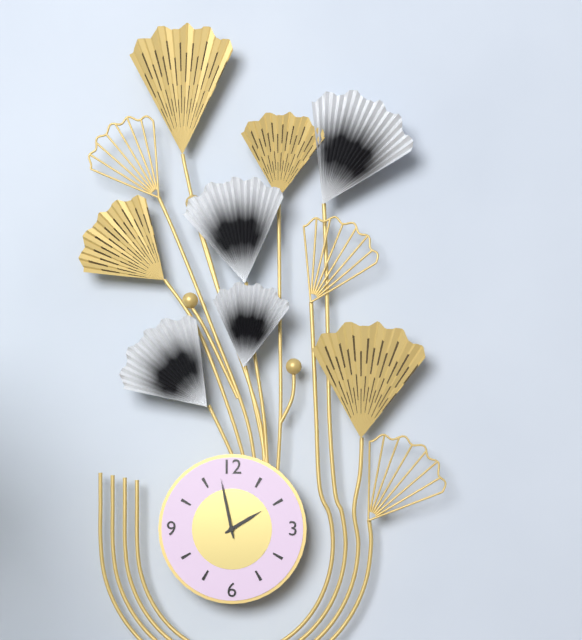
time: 1:58
